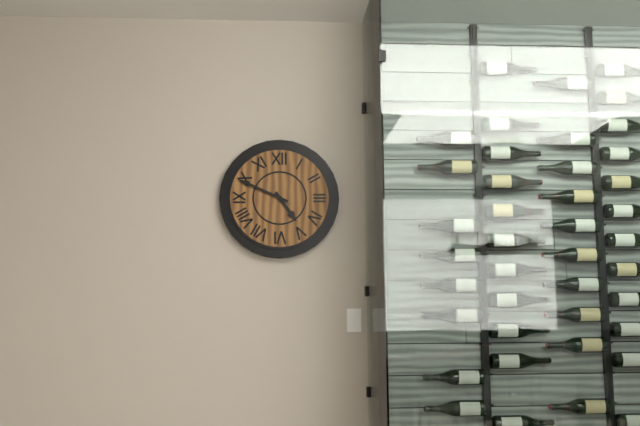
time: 4:49
